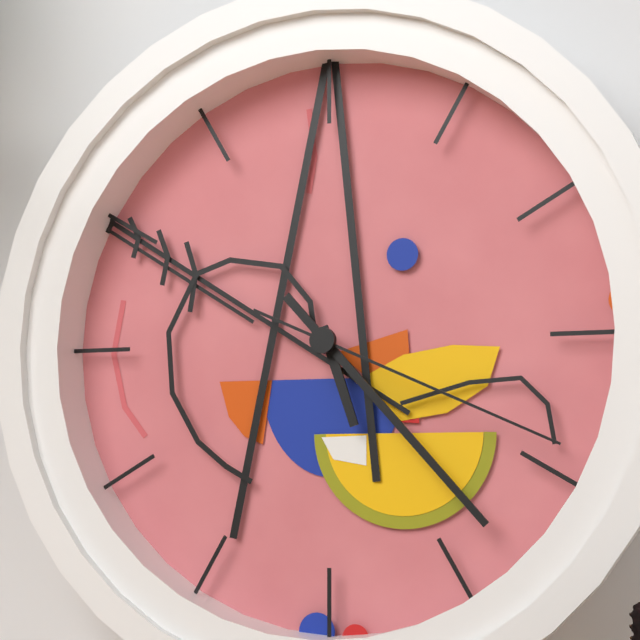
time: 5:23:19
